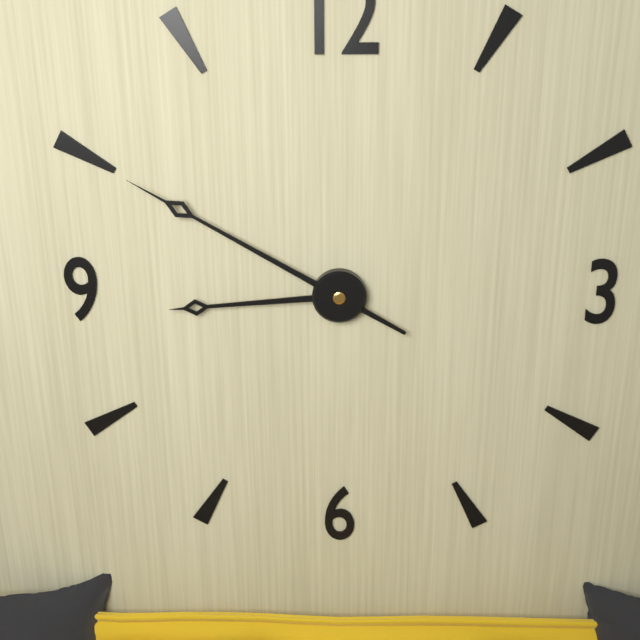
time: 8:50
